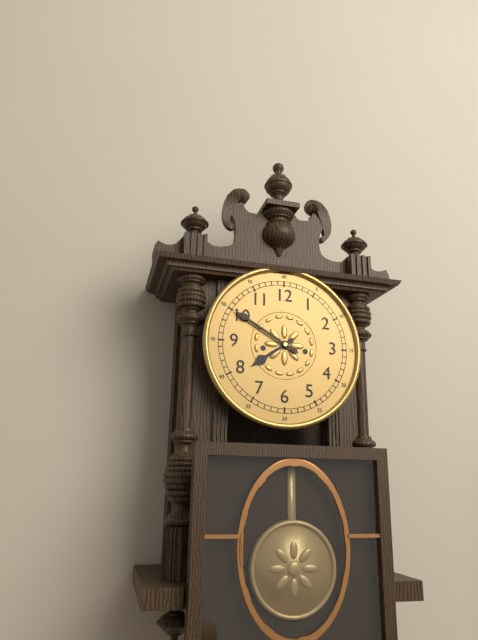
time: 7:50
